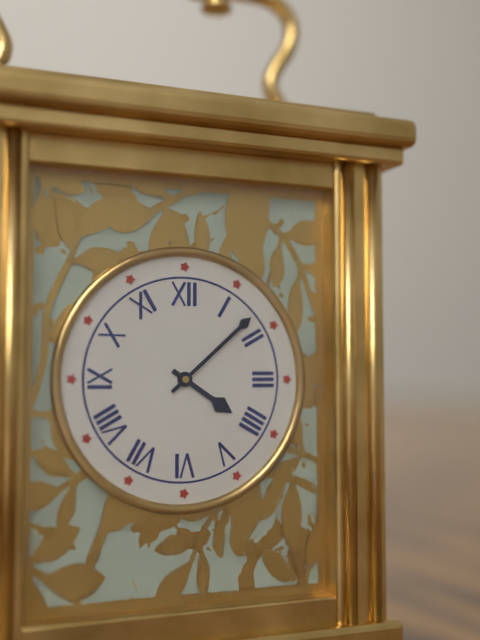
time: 4:08
